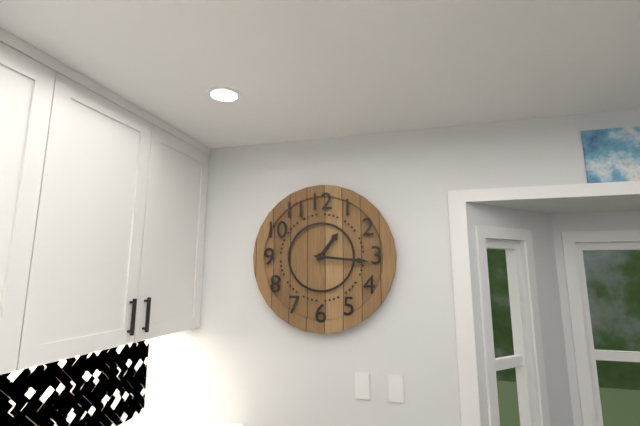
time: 1:16
